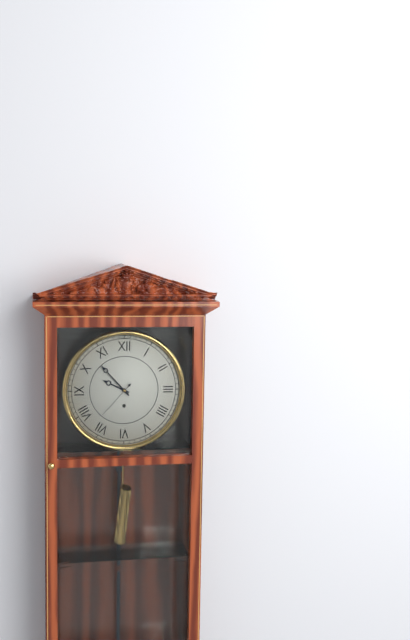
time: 9:53
